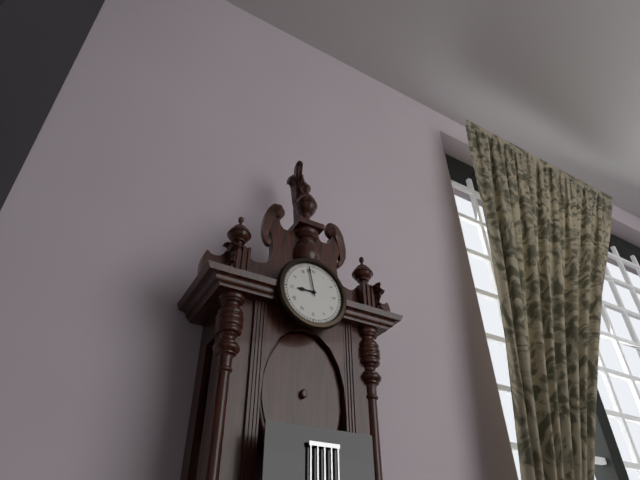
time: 8:58
